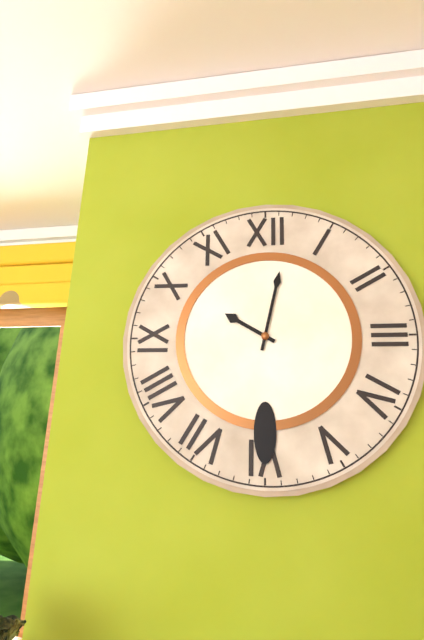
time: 10:02
